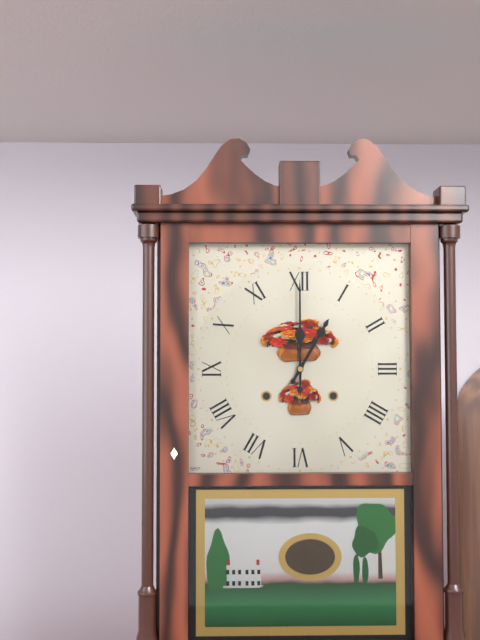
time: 1:00
